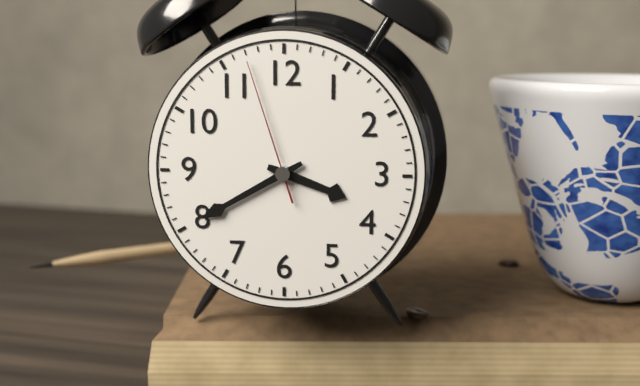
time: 3:40:57
